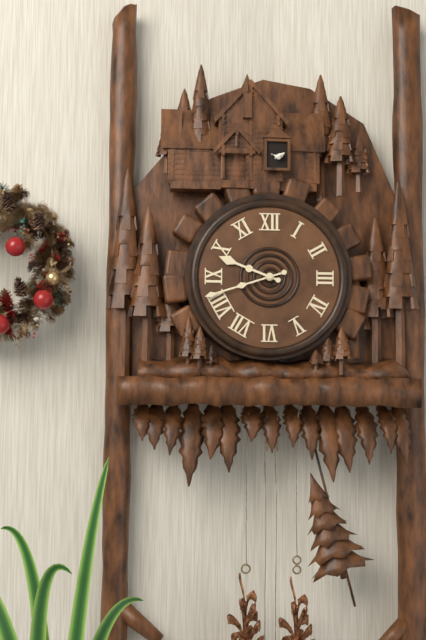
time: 9:42
